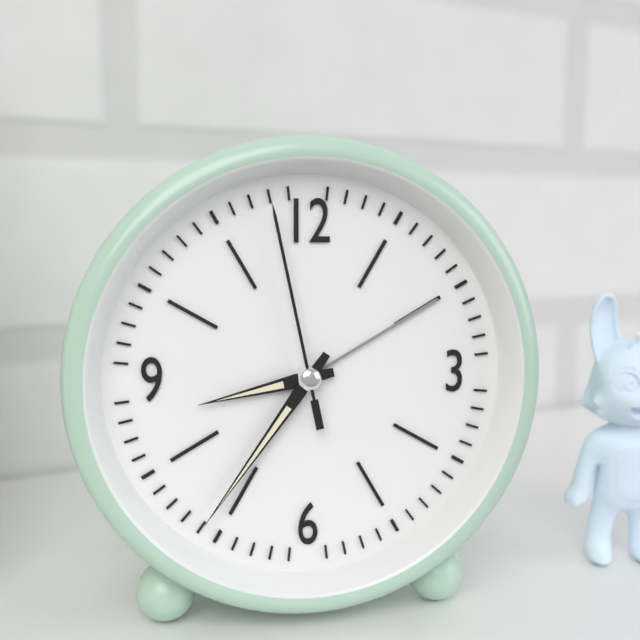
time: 8:36:58
